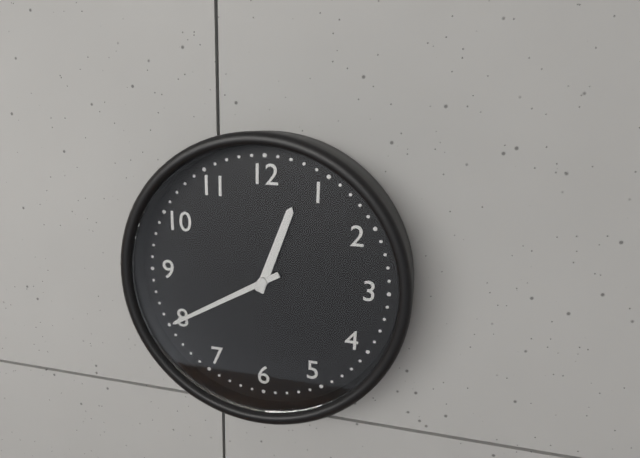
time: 12:40
